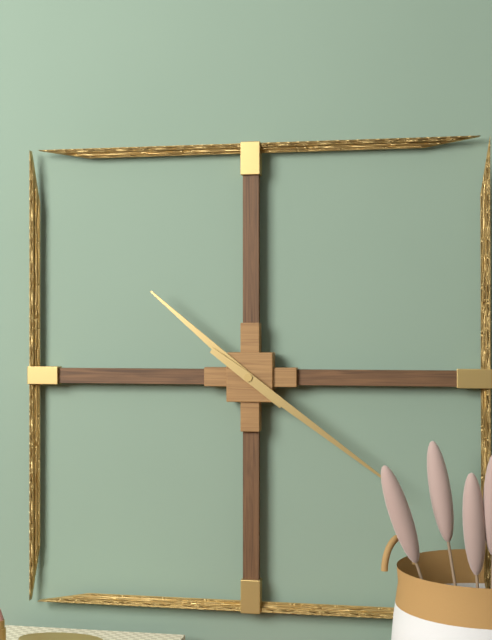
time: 10:21
